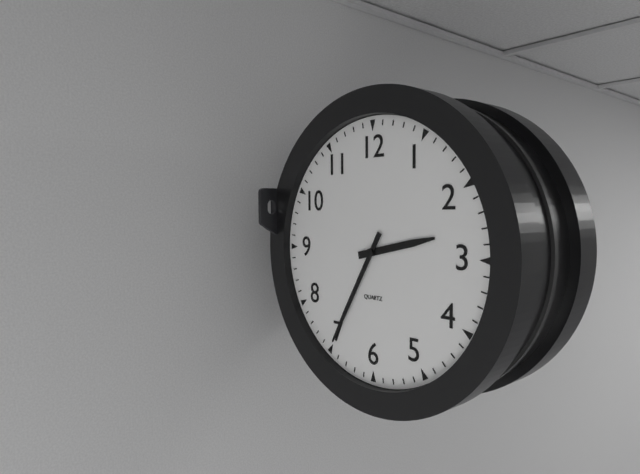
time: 2:35
